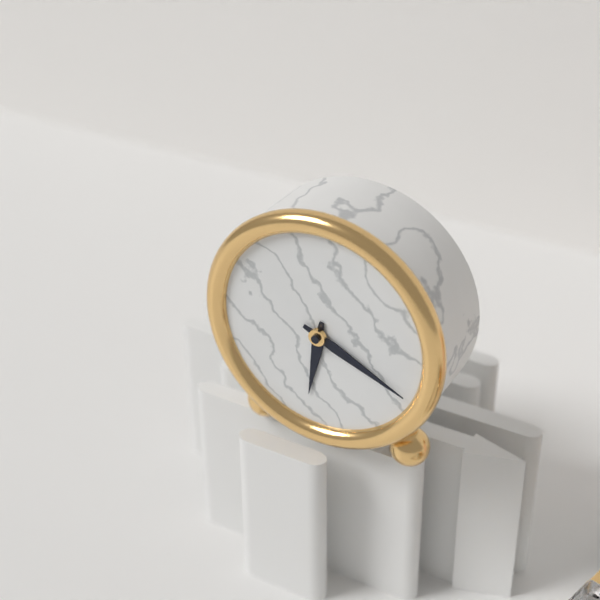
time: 6:19
